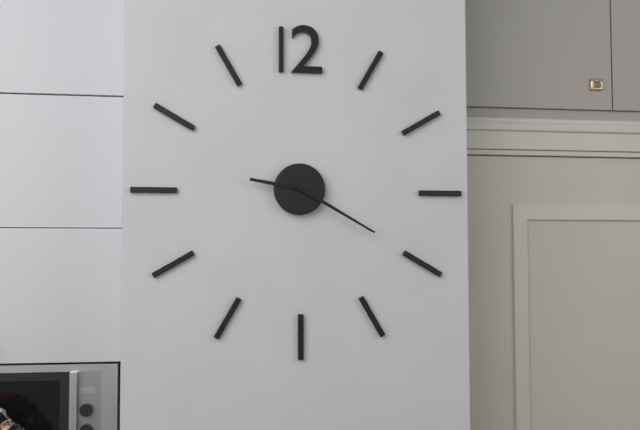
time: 9:20
